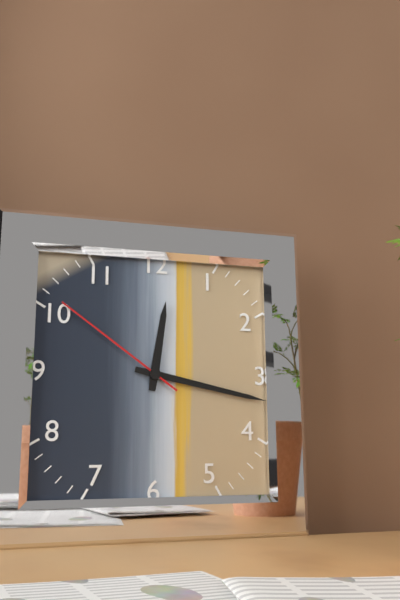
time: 12:17:51
